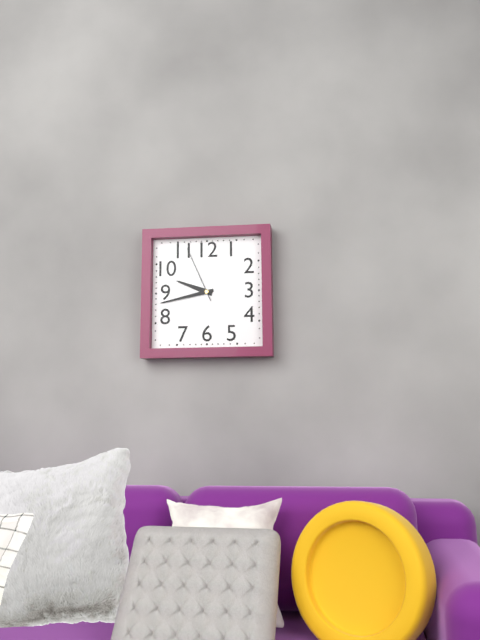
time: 9:43:56
